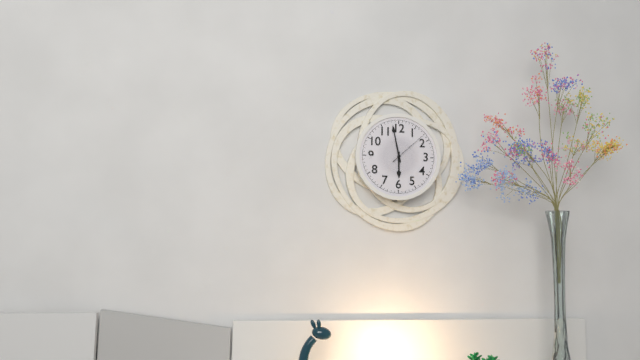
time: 5:58
